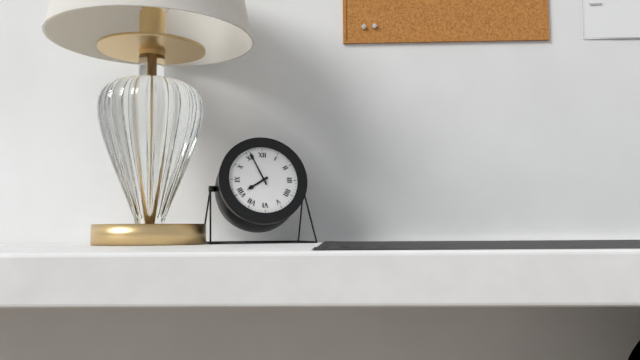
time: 7:56
